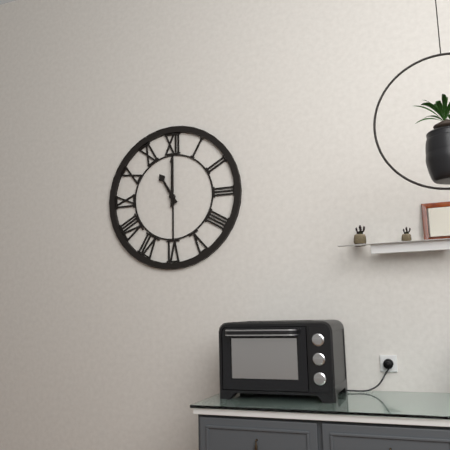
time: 11:00
